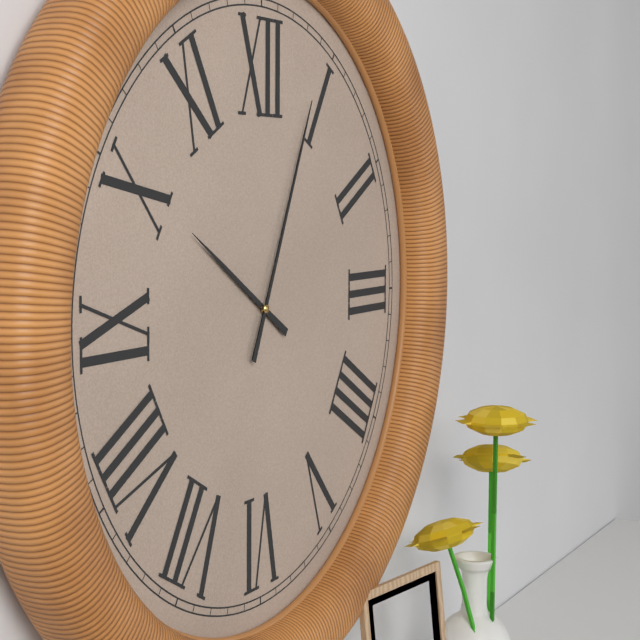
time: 10:04
